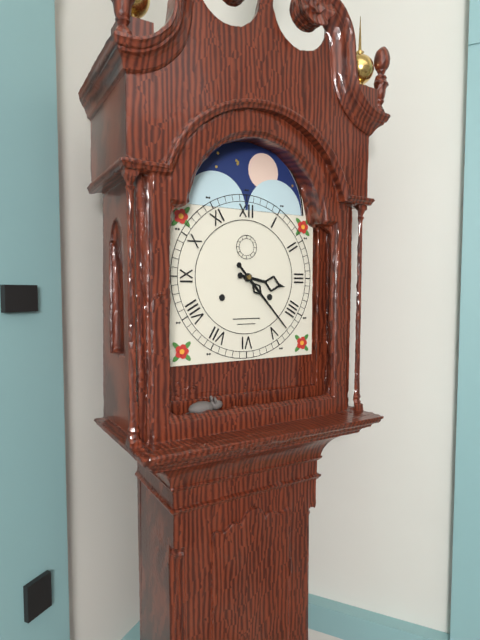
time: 3:23
